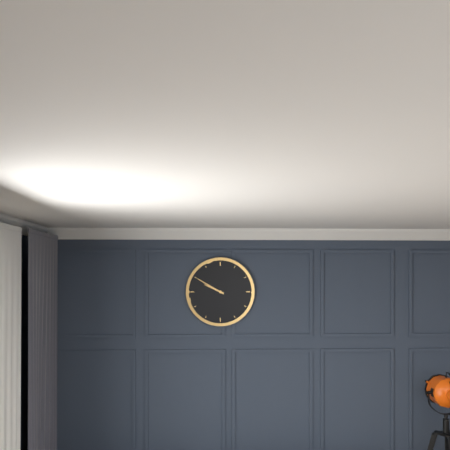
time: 9:50
